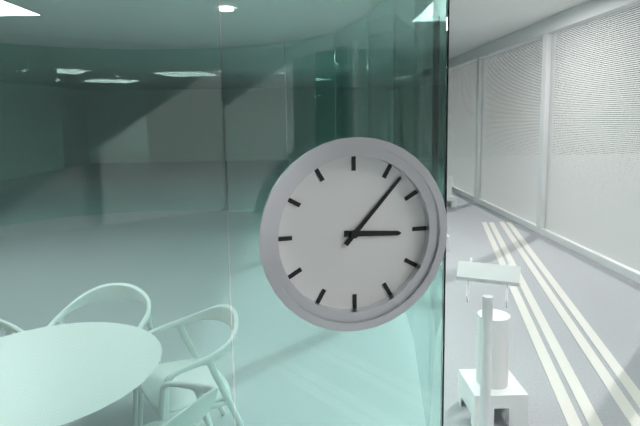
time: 3:07
